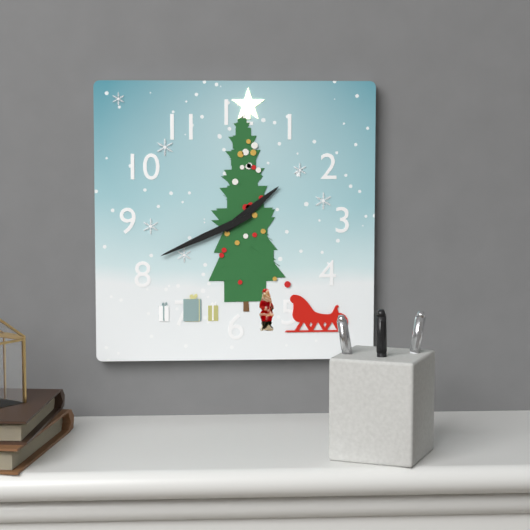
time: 1:41
